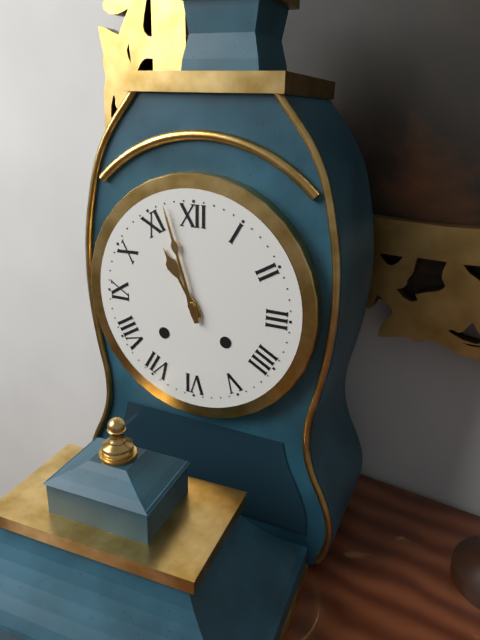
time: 10:57
